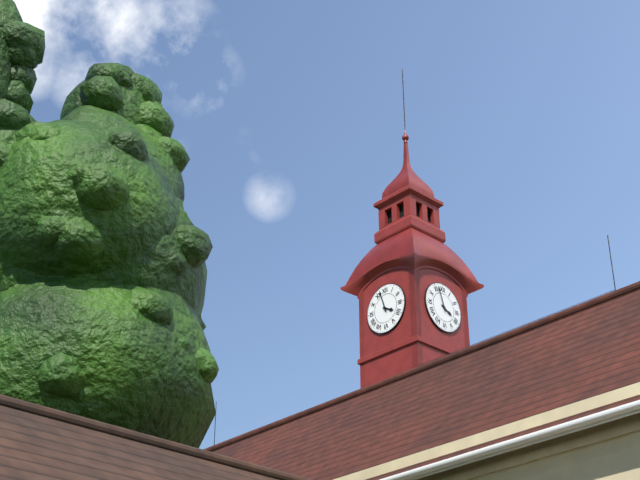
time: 3:57
